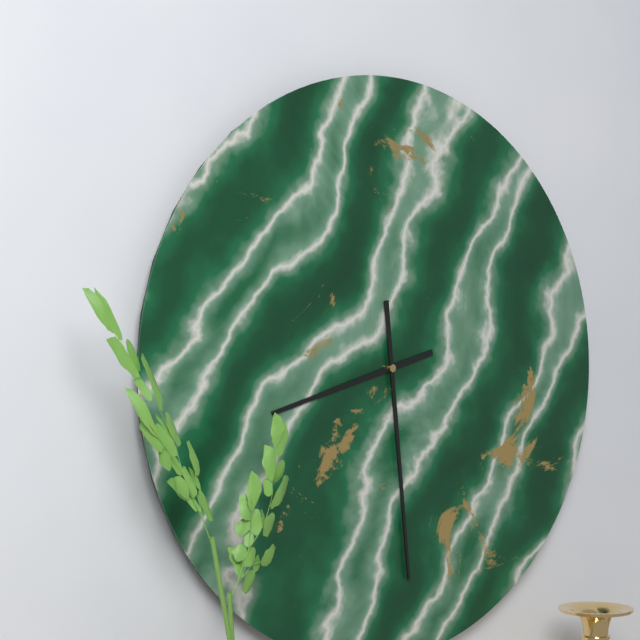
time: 8:29
